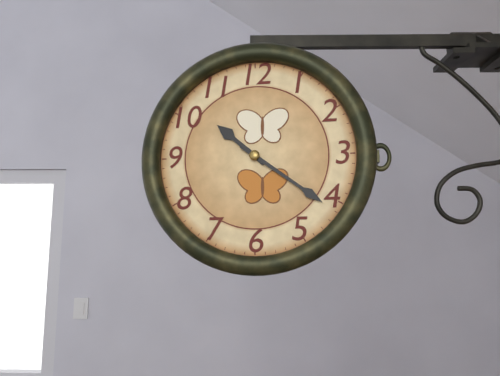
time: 10:21
